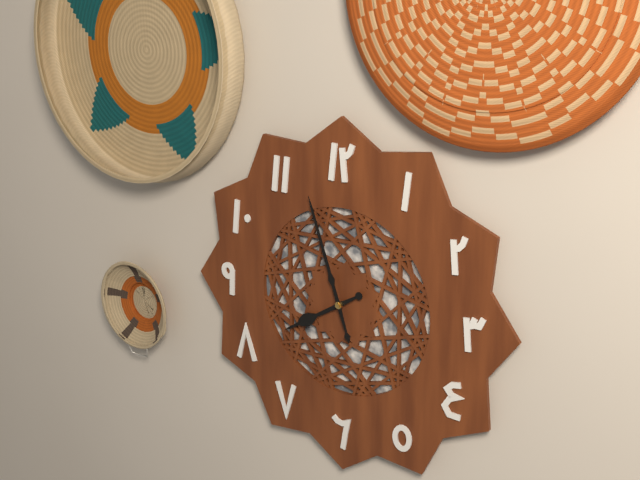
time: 7:57
